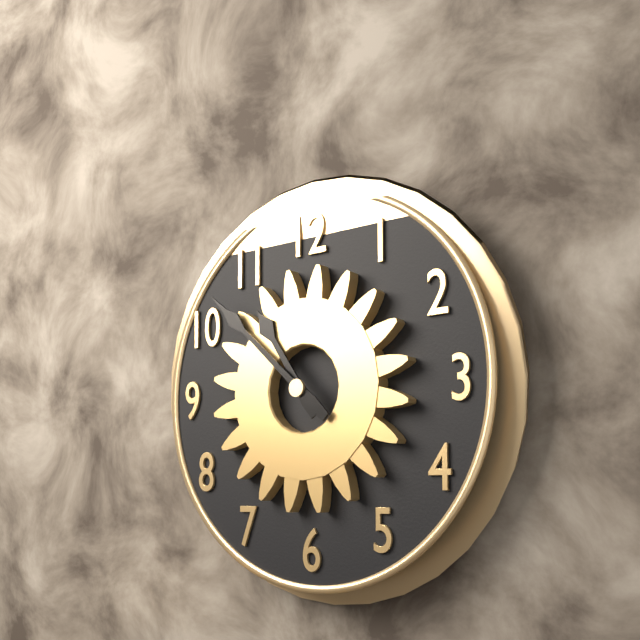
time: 10:52
